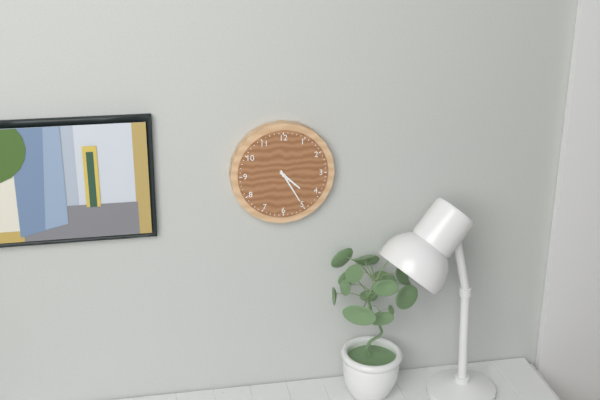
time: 4:25
